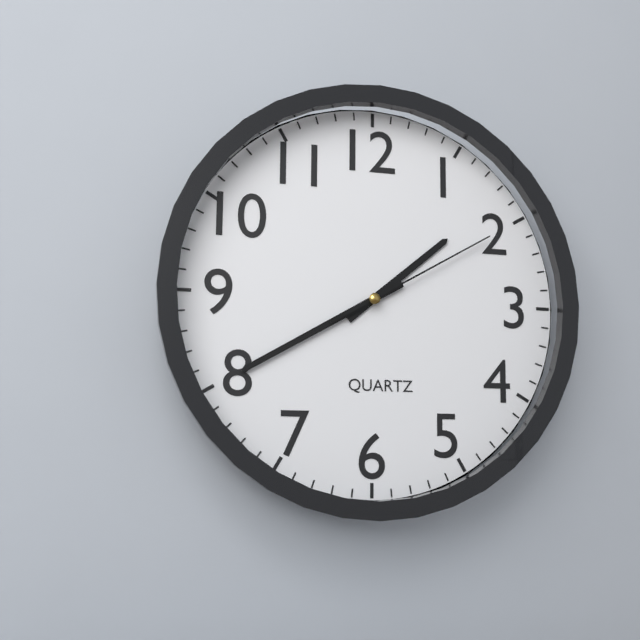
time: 1:40:10
